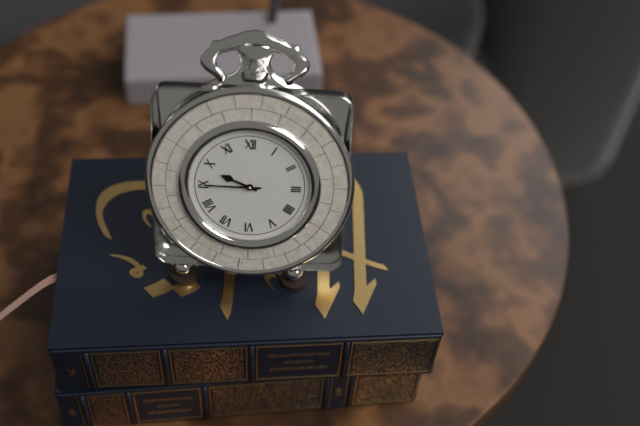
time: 9:45
